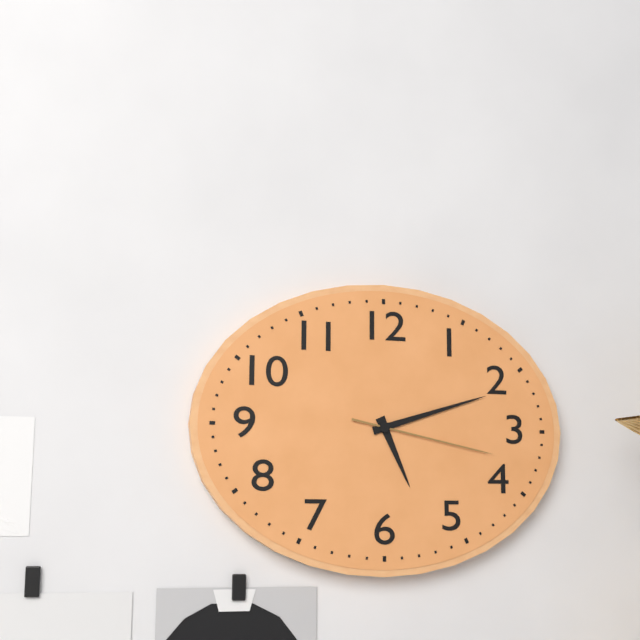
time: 5:12:17
